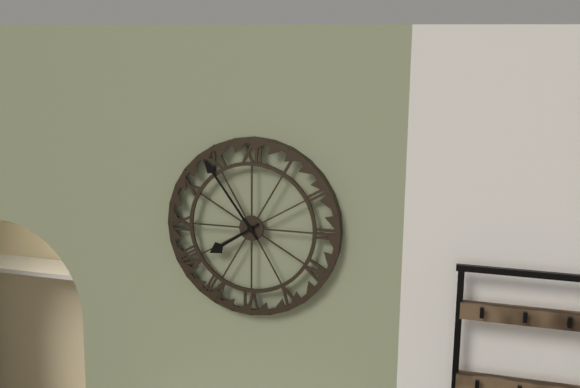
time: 7:54
